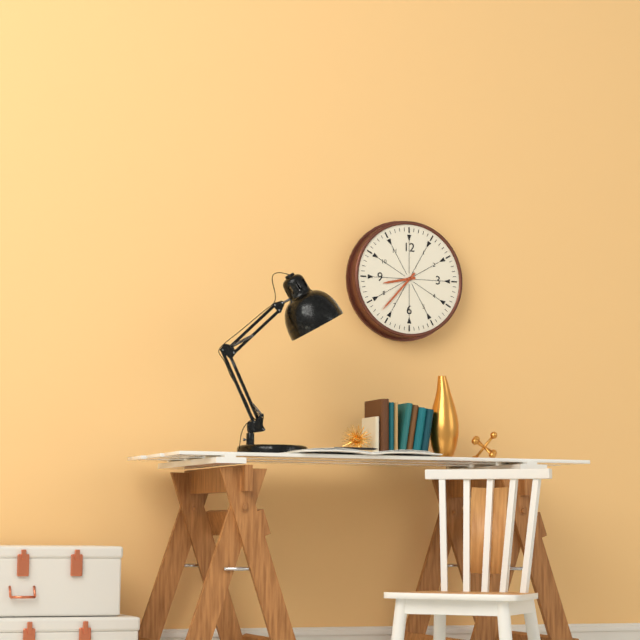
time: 8:37
